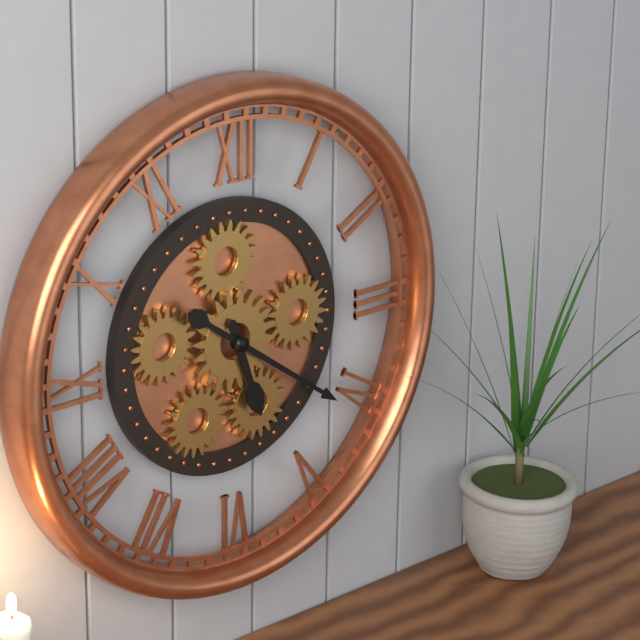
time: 5:21
